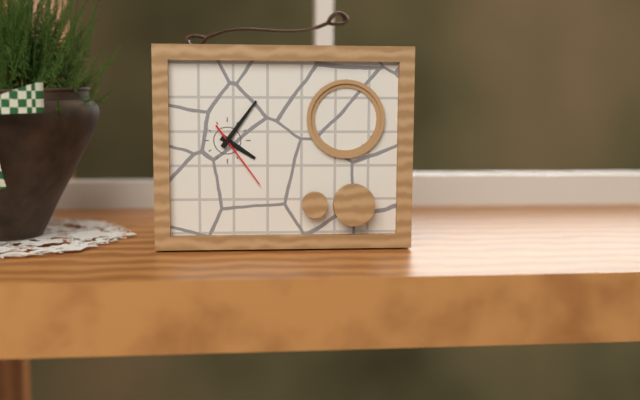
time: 4:06:24
